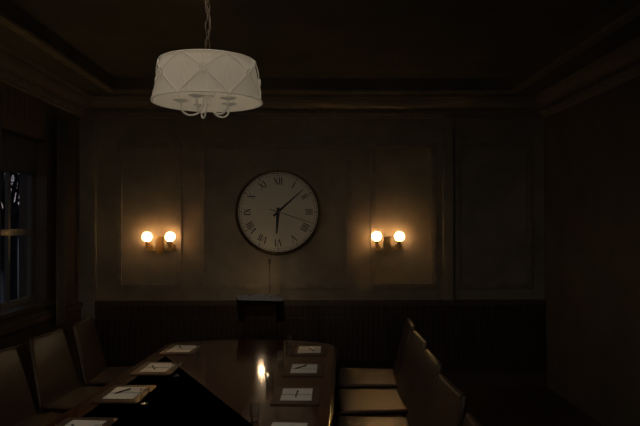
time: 6:08
